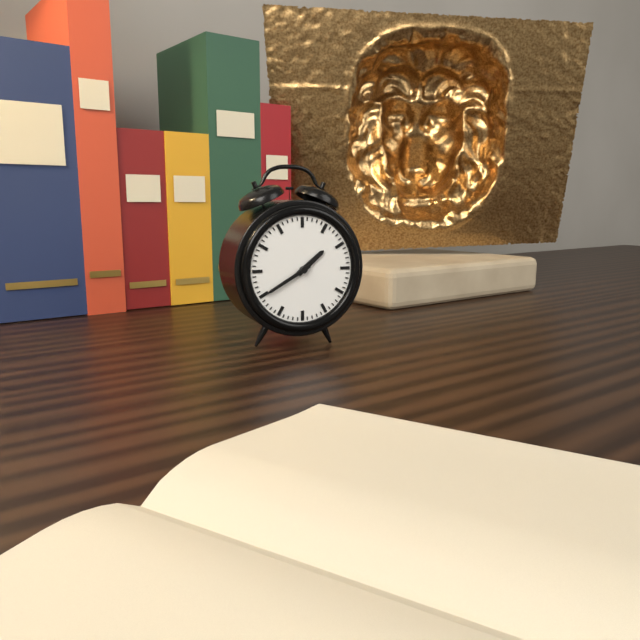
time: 1:40
